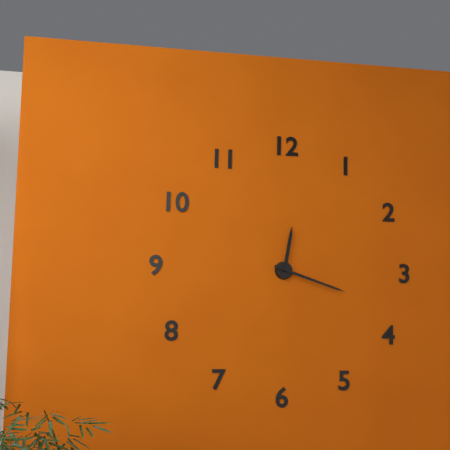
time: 12:18
